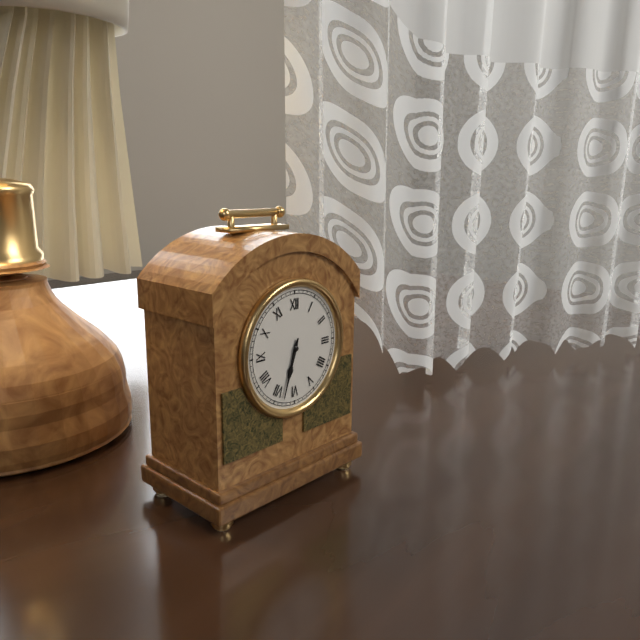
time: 6:33
